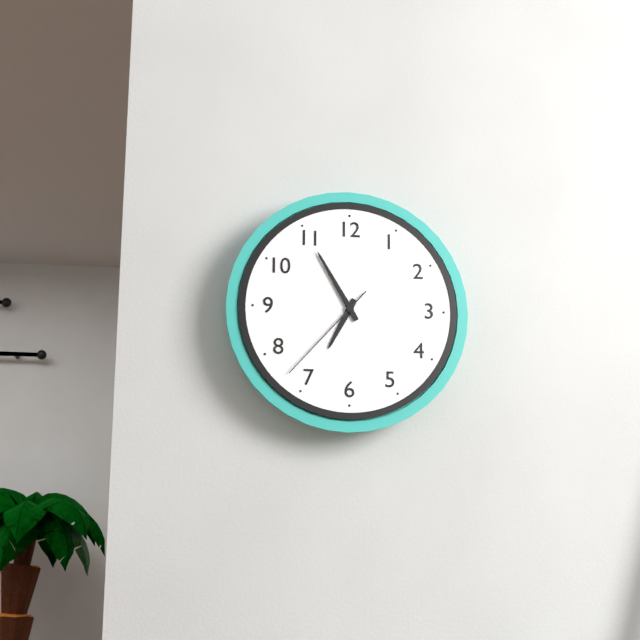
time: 6:55:37
